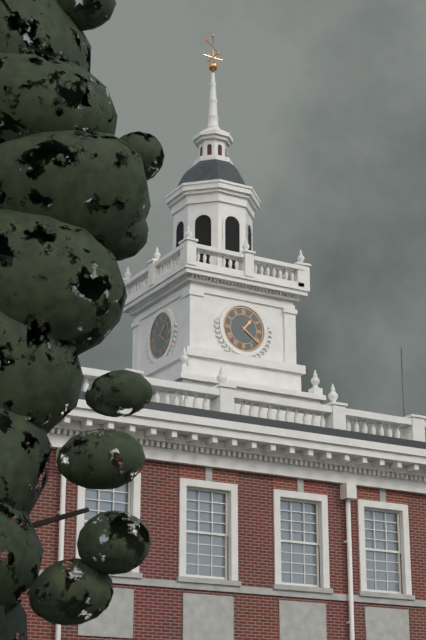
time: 1:21
